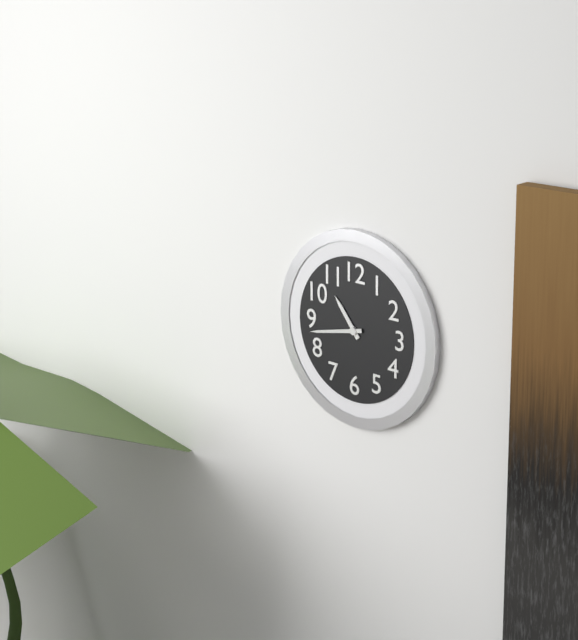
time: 10:43
